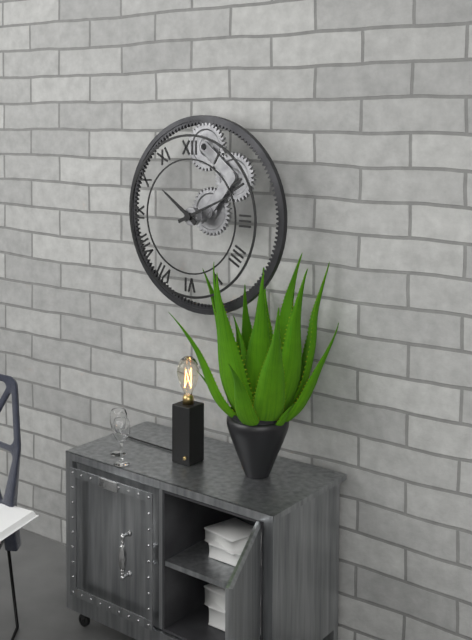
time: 10:11
